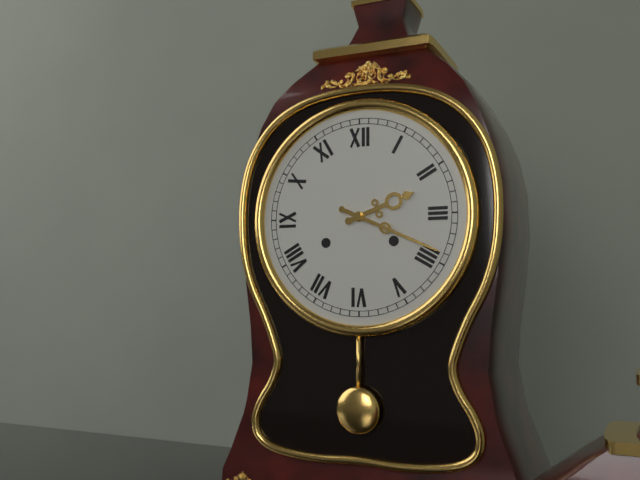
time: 2:19
